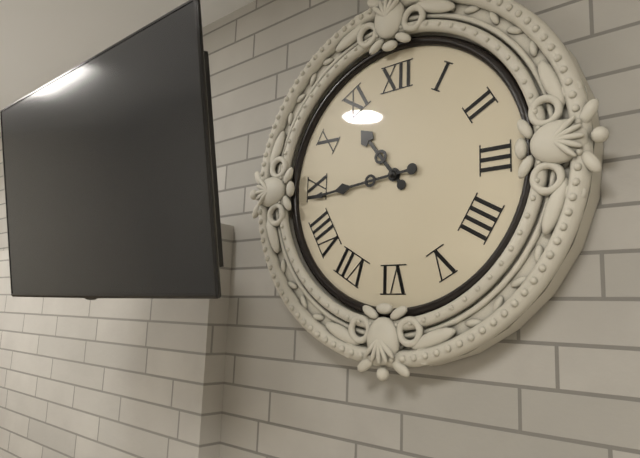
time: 10:44
